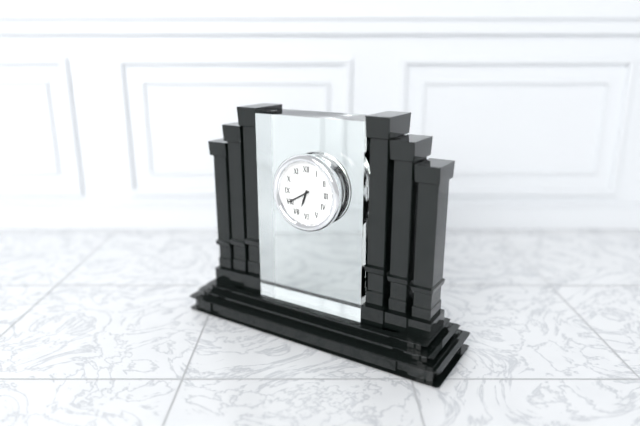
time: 6:40
